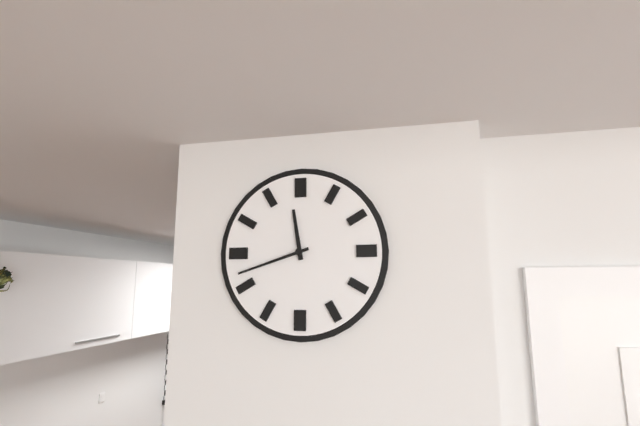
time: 11:42
